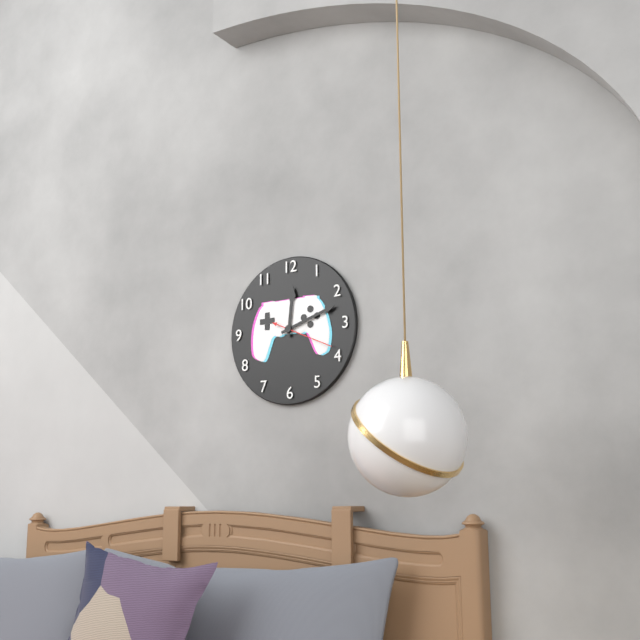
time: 12:12:19
